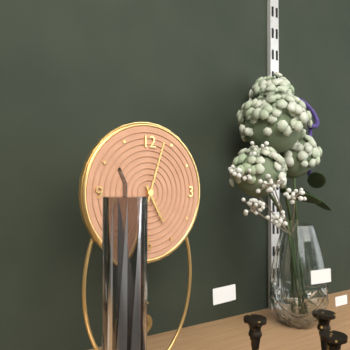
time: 5:03
